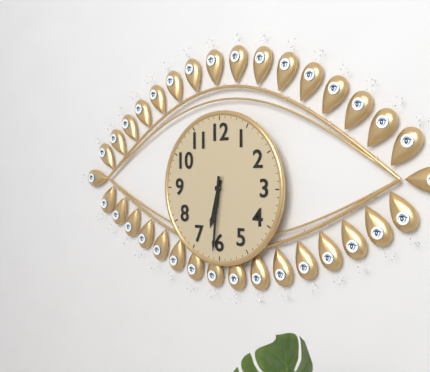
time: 6:31
